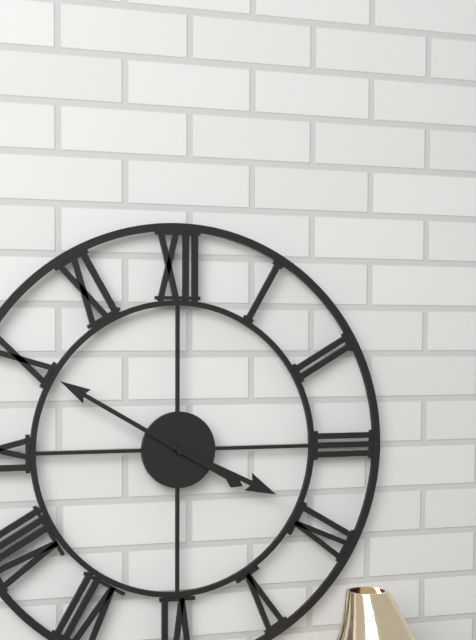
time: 3:50
